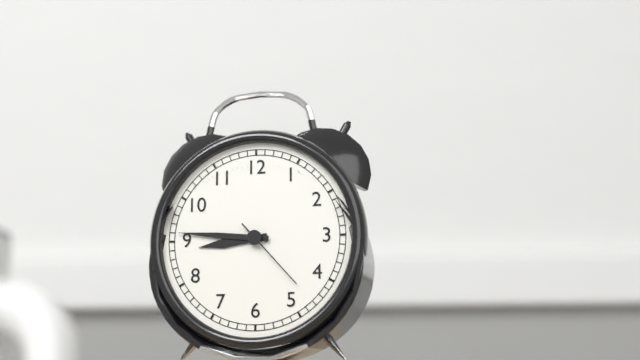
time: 8:46:23
